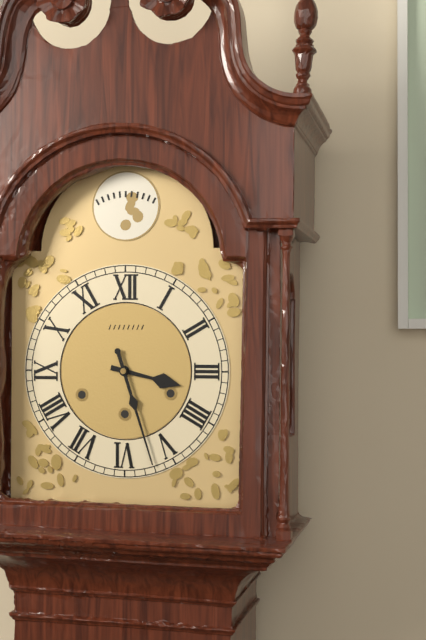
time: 3:27
